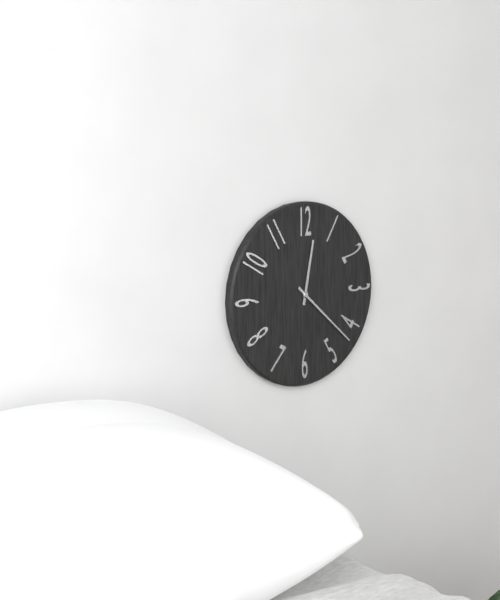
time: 12:22
